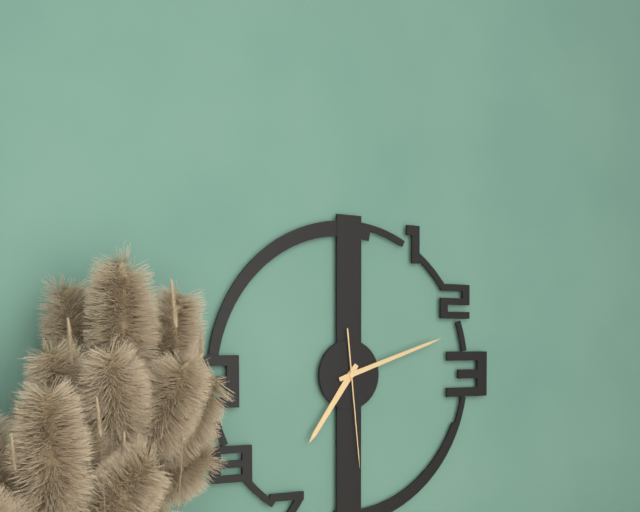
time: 7:12:29
